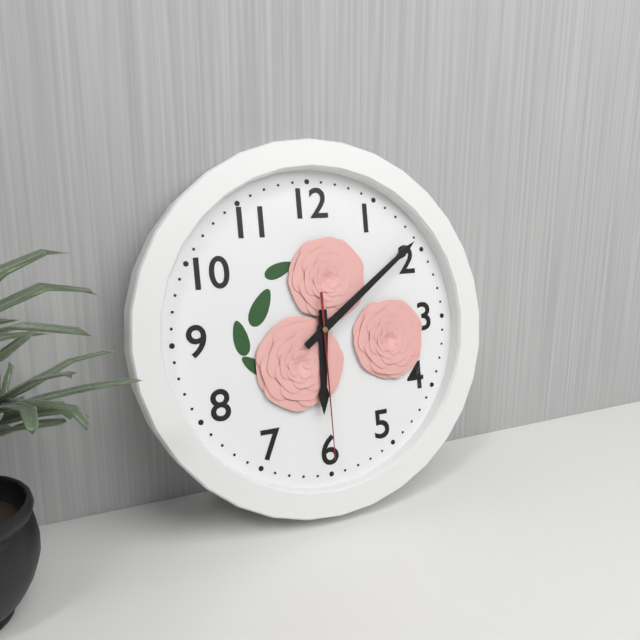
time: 6:09:30
